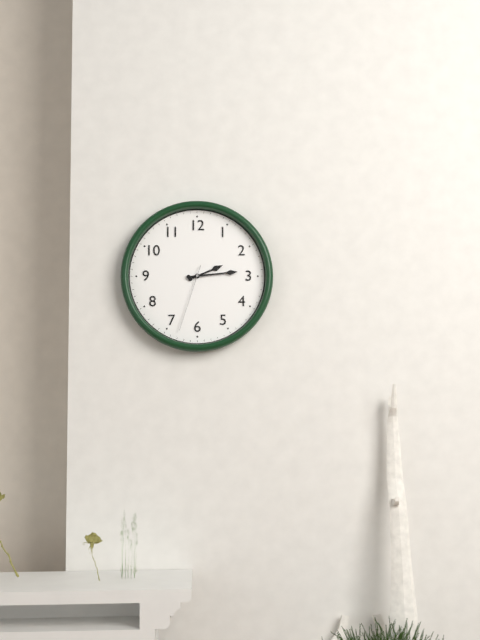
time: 2:14:33
